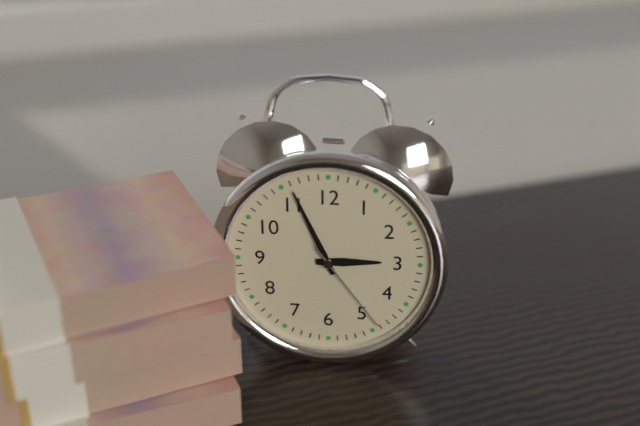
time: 2:56:24
